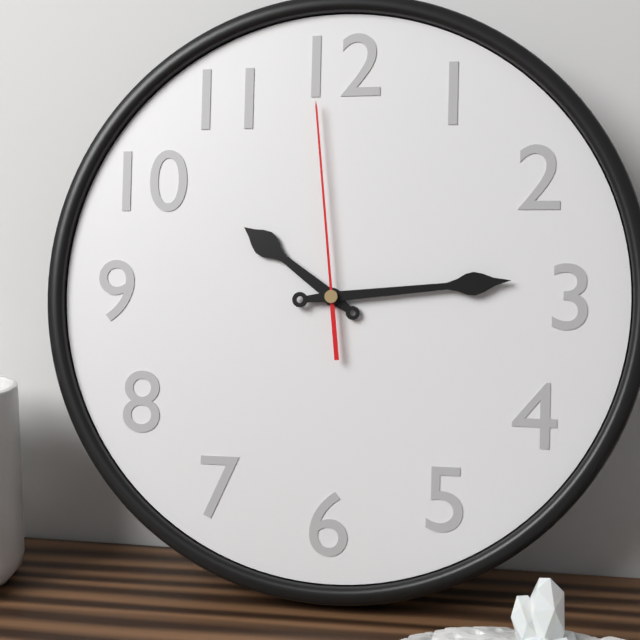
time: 10:14:59
